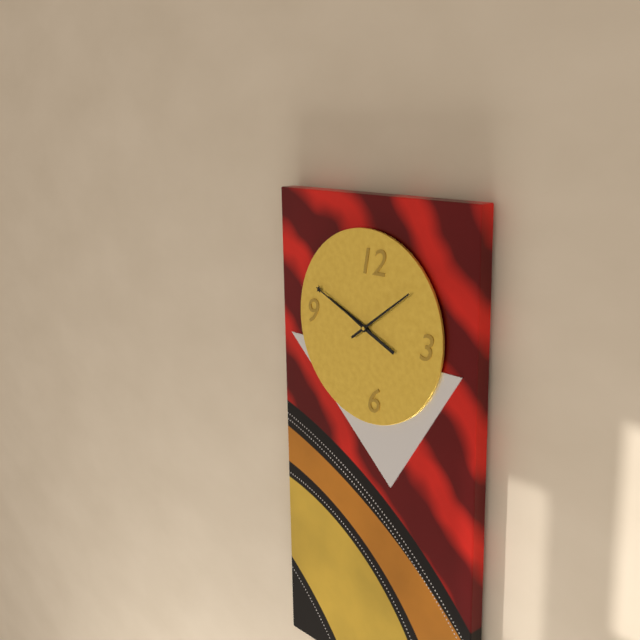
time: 9:49
